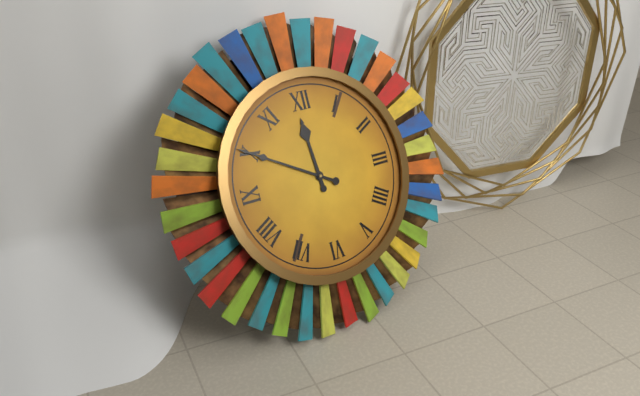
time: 11:50
